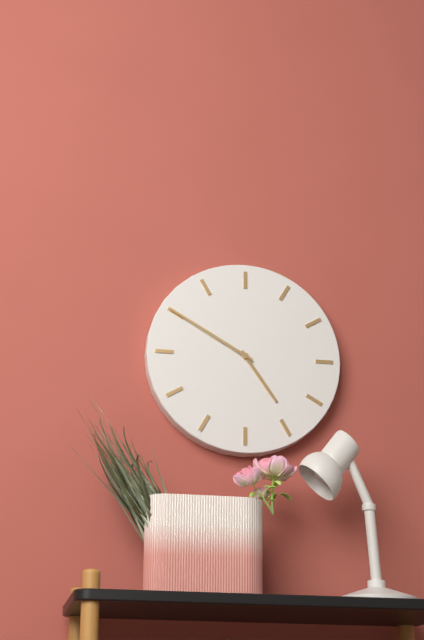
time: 4:50
